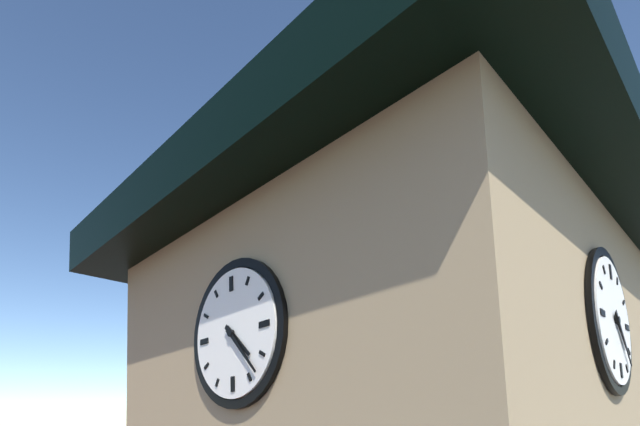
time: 4:23
